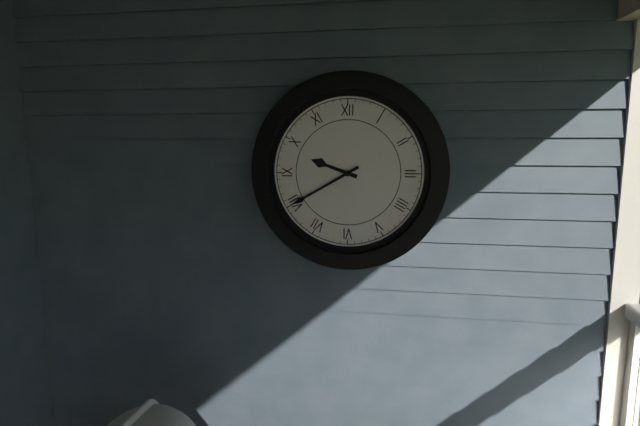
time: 9:40
